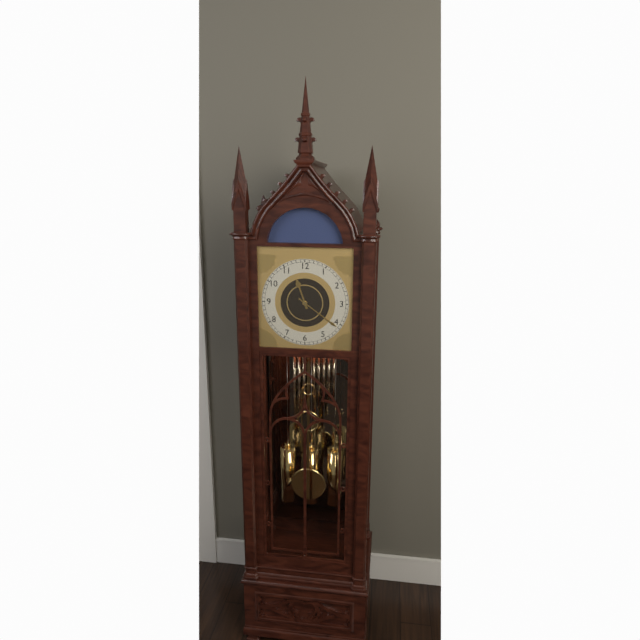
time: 11:21
